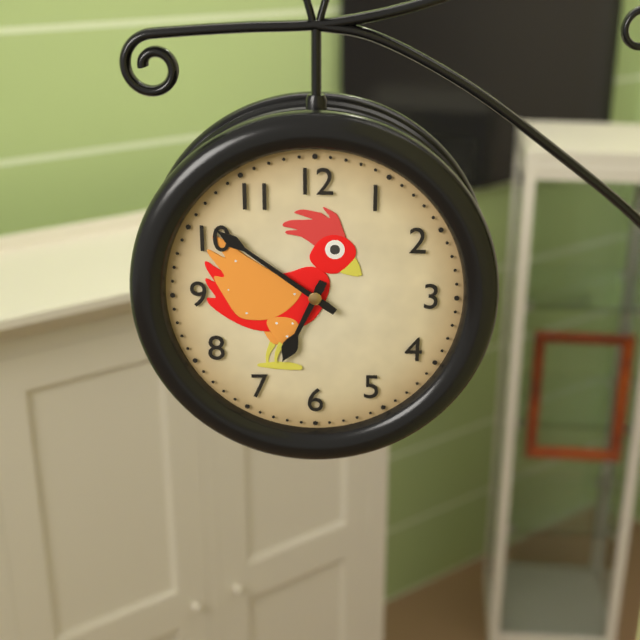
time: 6:51
